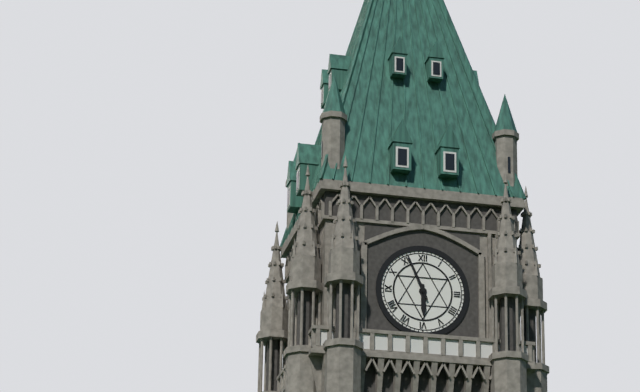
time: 5:56
